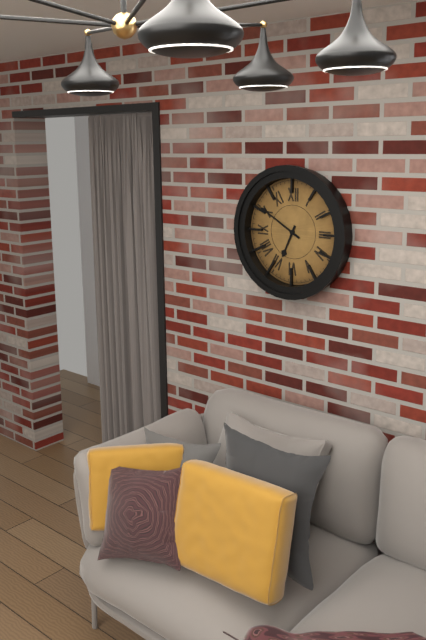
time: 6:50
